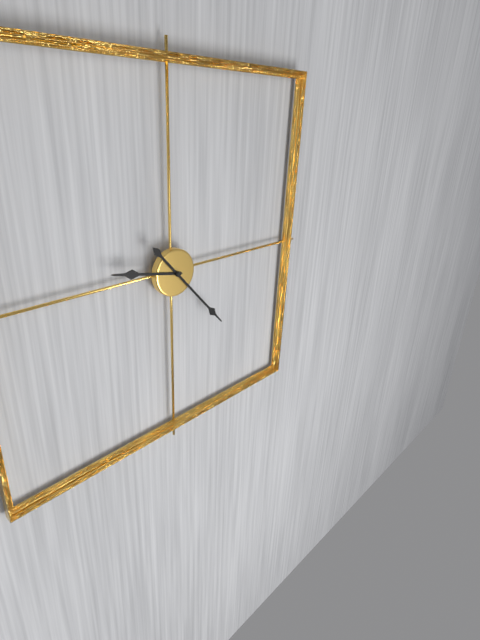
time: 9:23
